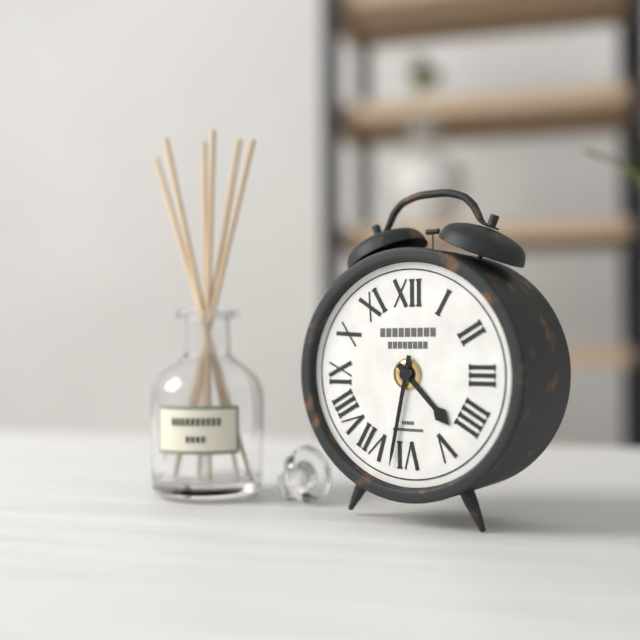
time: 4:32
